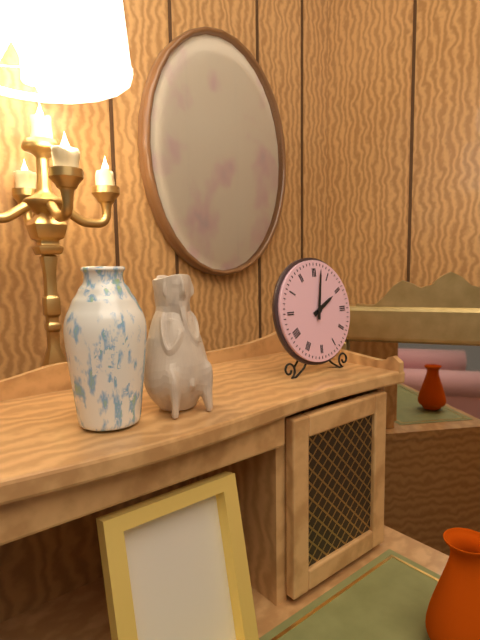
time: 2:02
